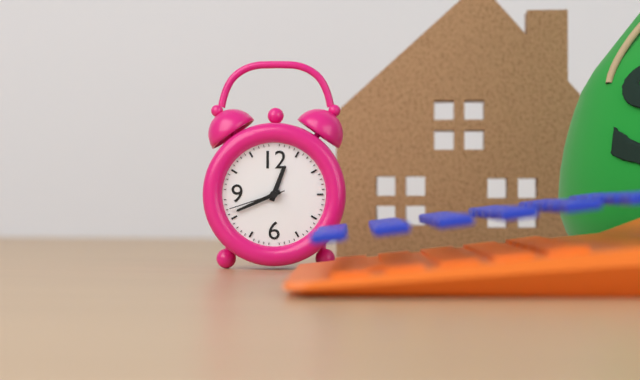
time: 12:41:42
